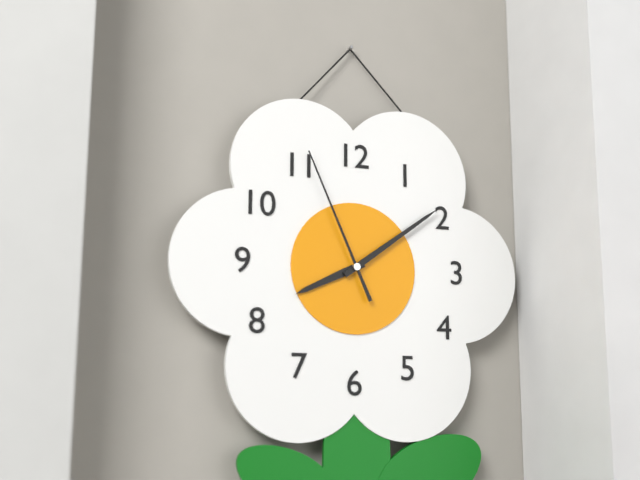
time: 8:09:56
